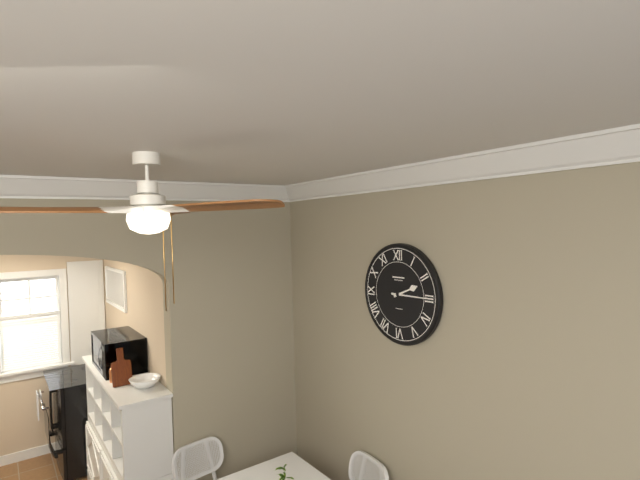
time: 2:15
